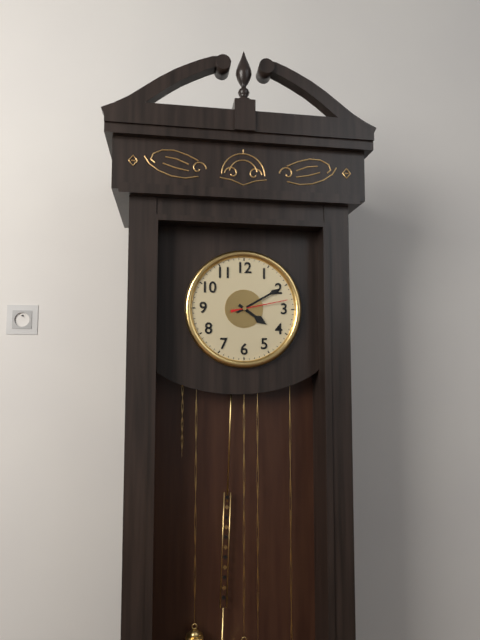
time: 4:10:13
